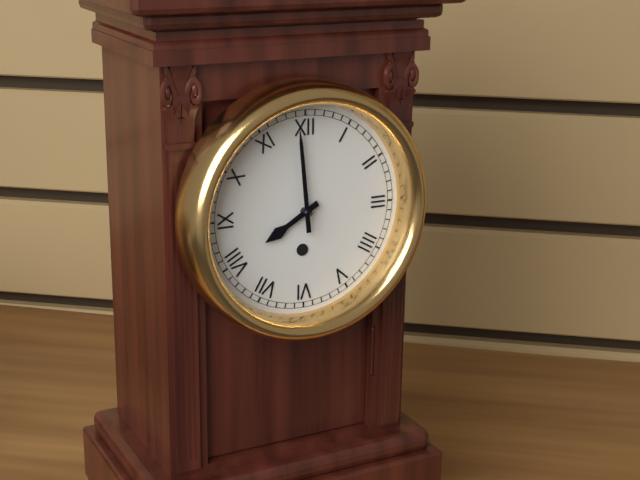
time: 7:59
